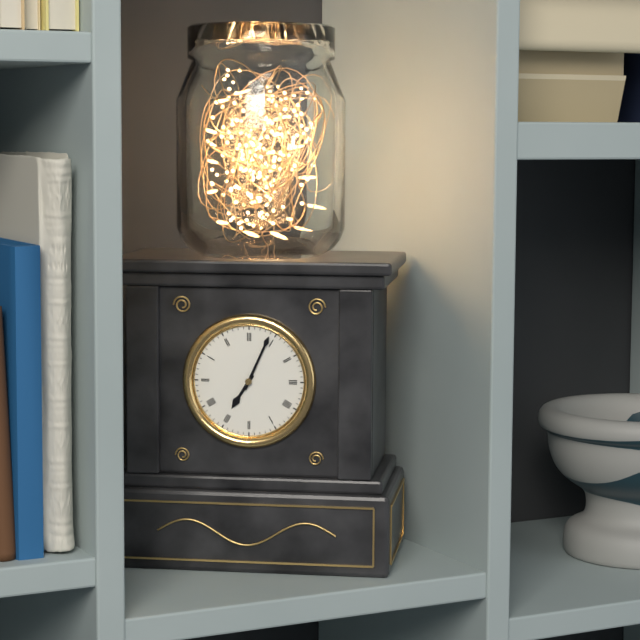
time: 7:04
